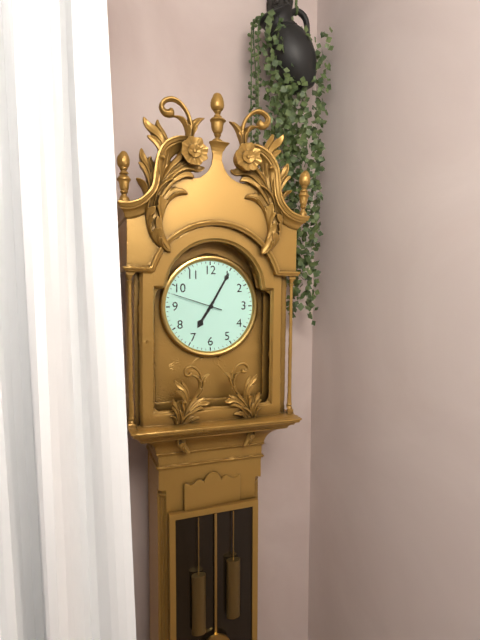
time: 7:05:48
